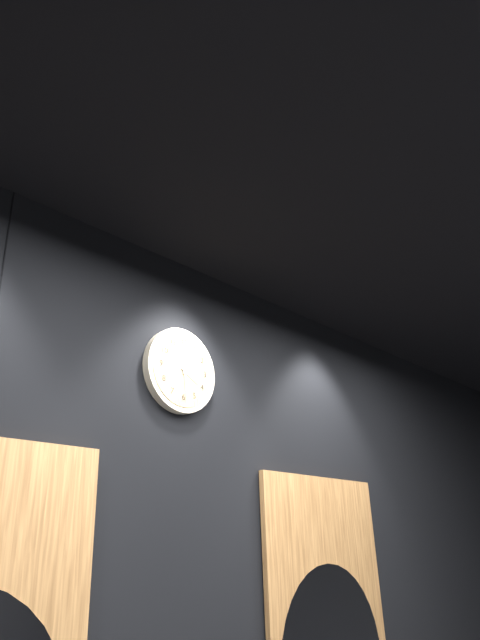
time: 4:01
